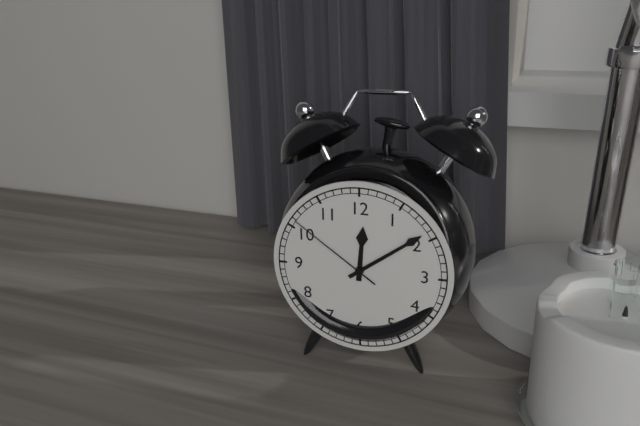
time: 12:09:51
